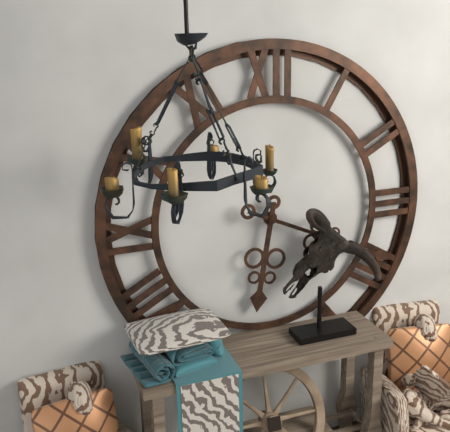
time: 6:19
